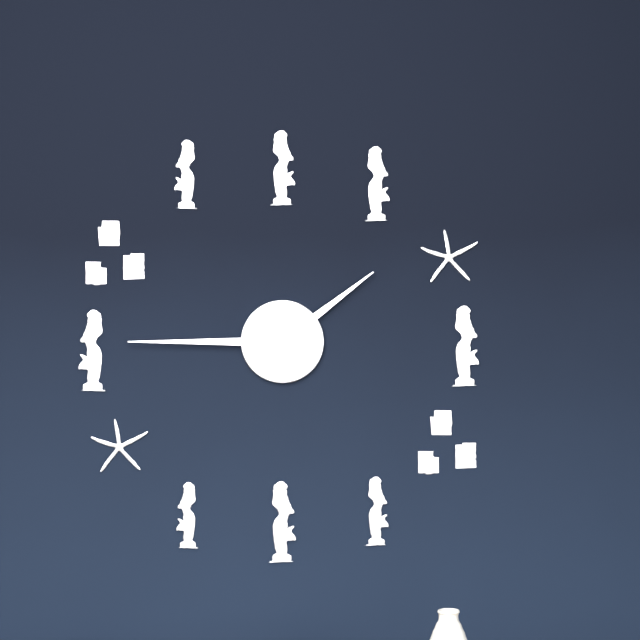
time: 1:45
